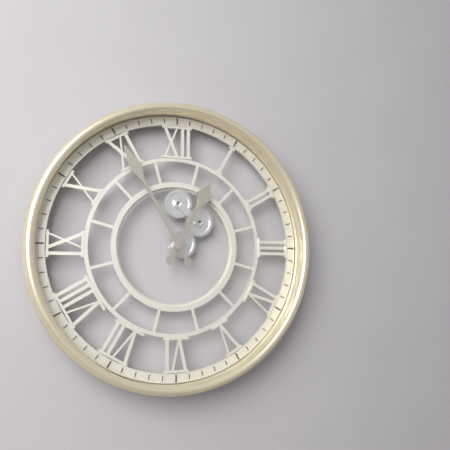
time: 12:55
